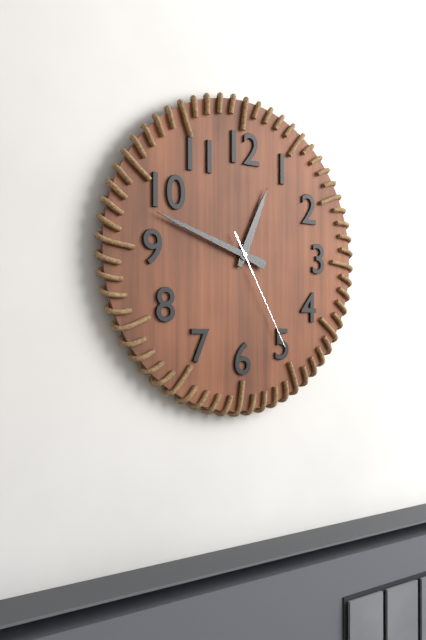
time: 12:48:25
